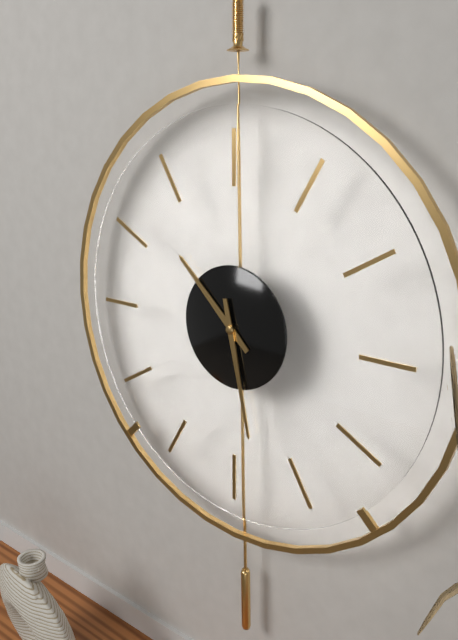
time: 10:28
